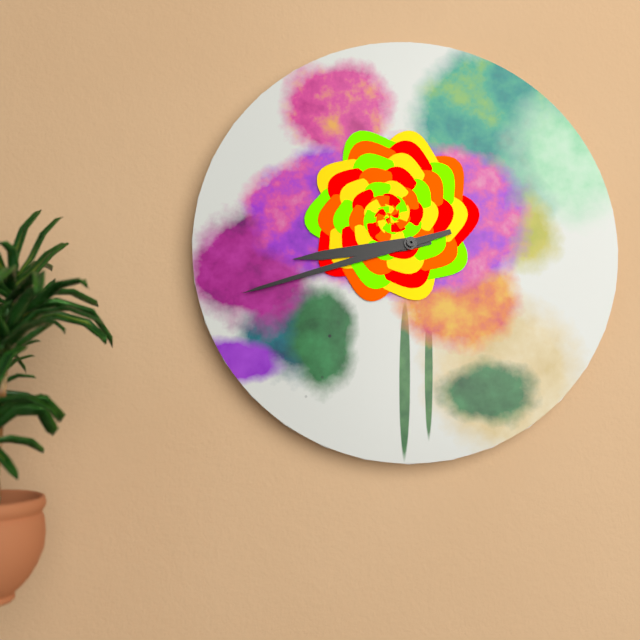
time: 8:42
